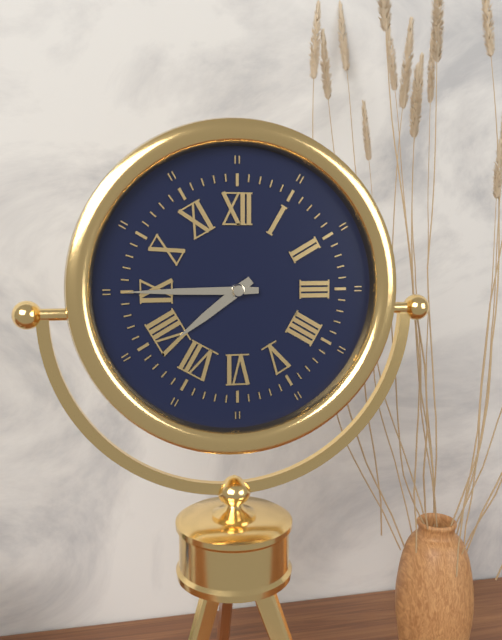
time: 7:45
